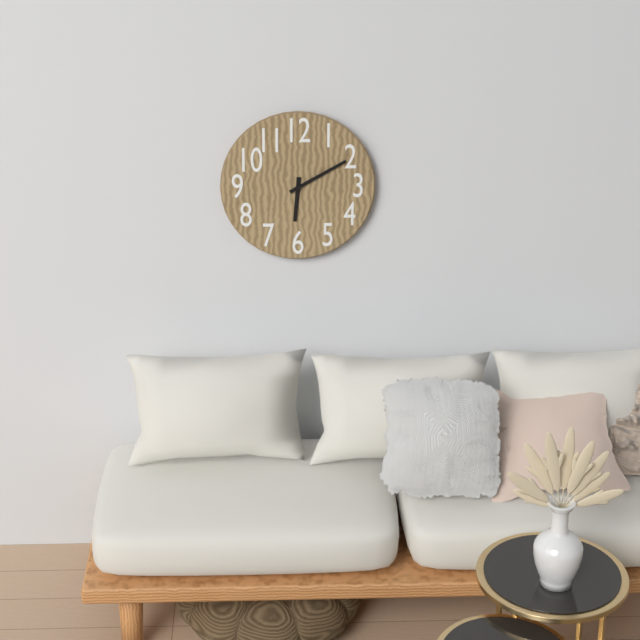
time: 6:10
